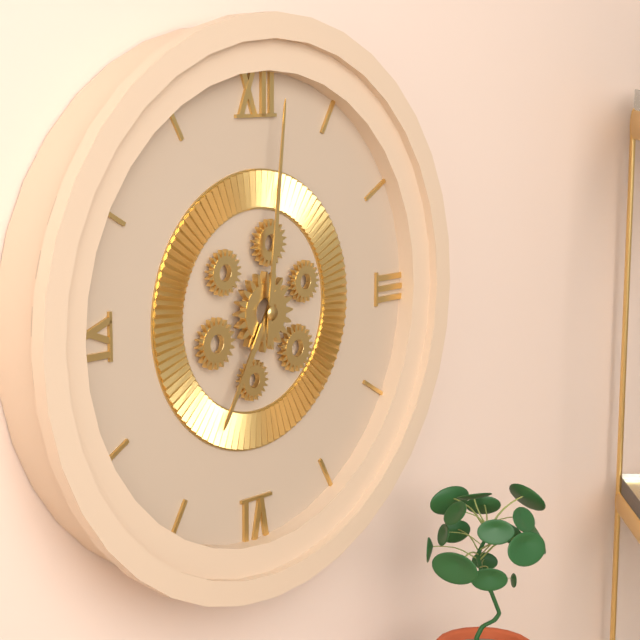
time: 7:01
